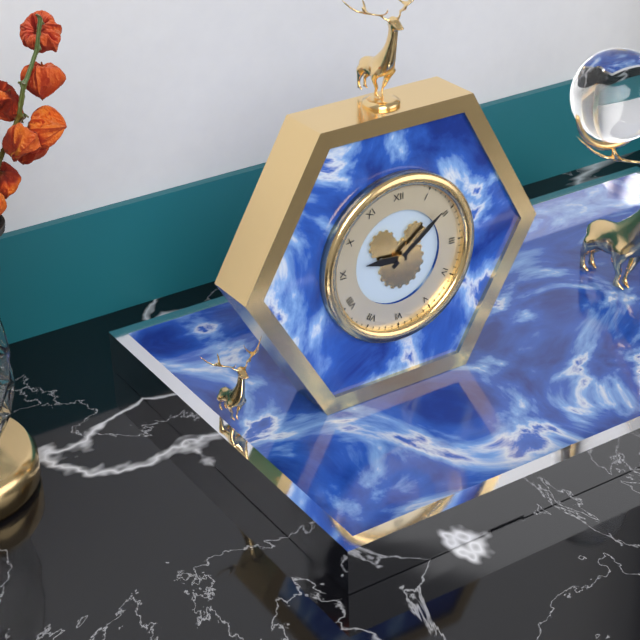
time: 9:09
